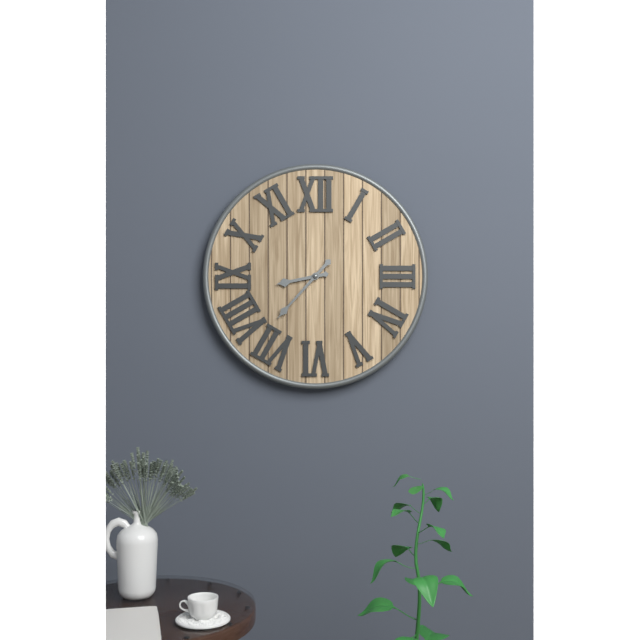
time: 8:37
